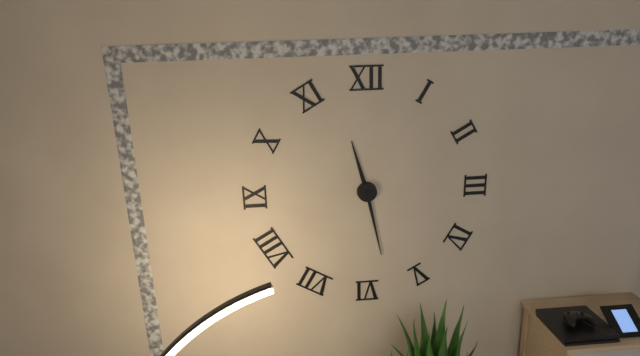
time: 11:28
